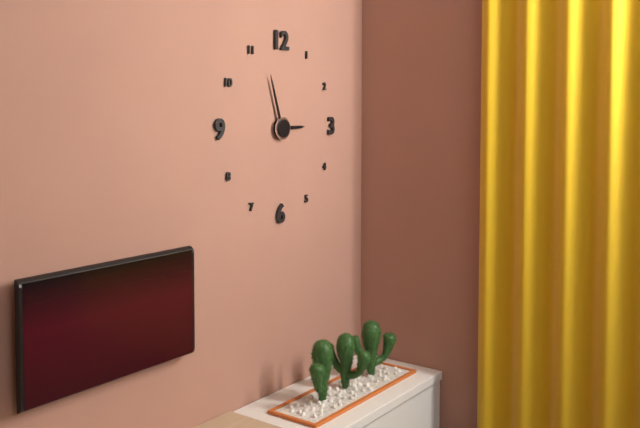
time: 2:57
